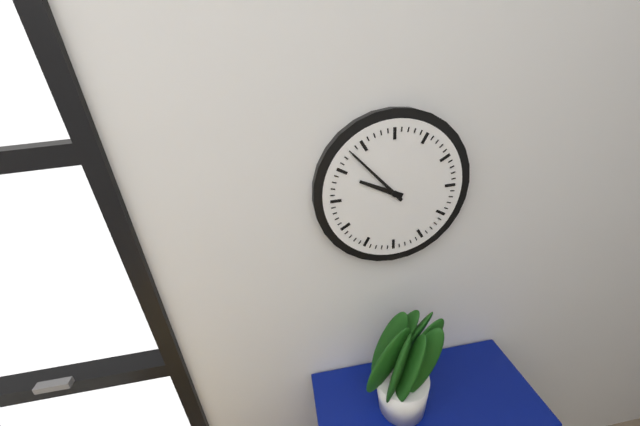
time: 9:53
